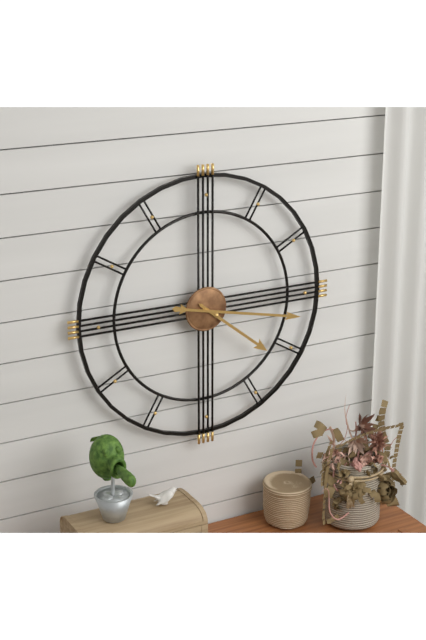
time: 4:17
